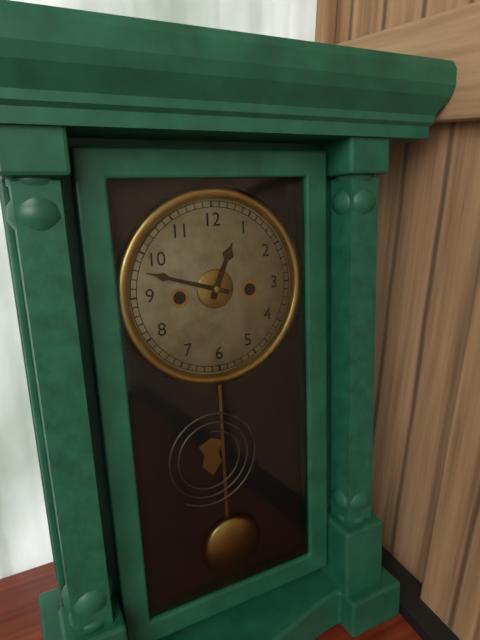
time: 12:48
